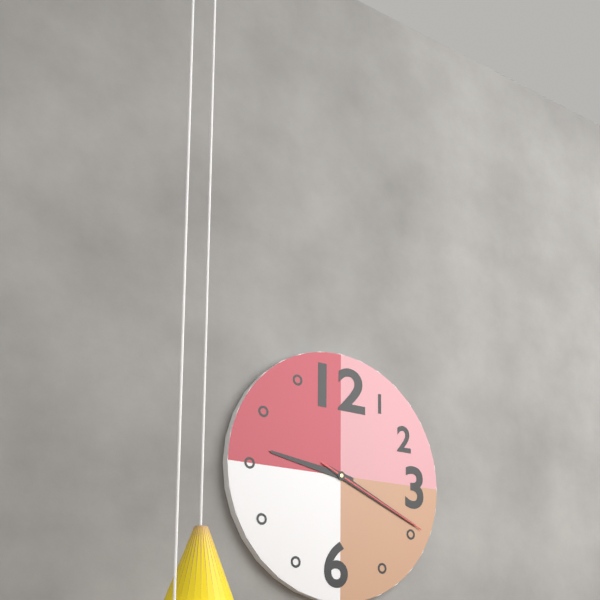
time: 9:19:19
